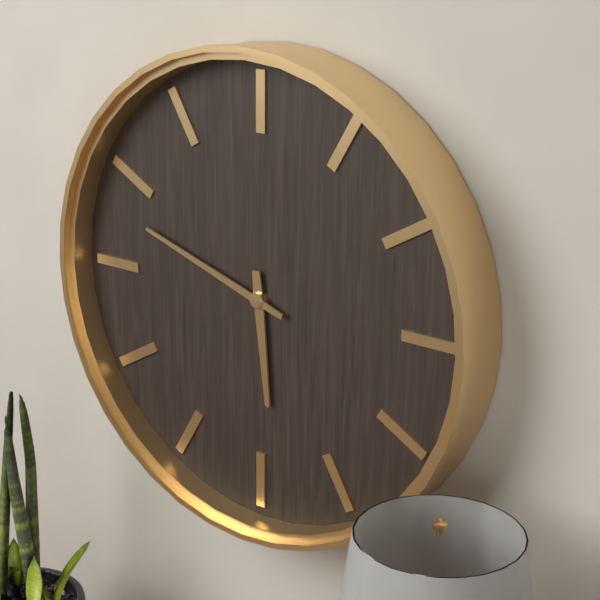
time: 5:48
